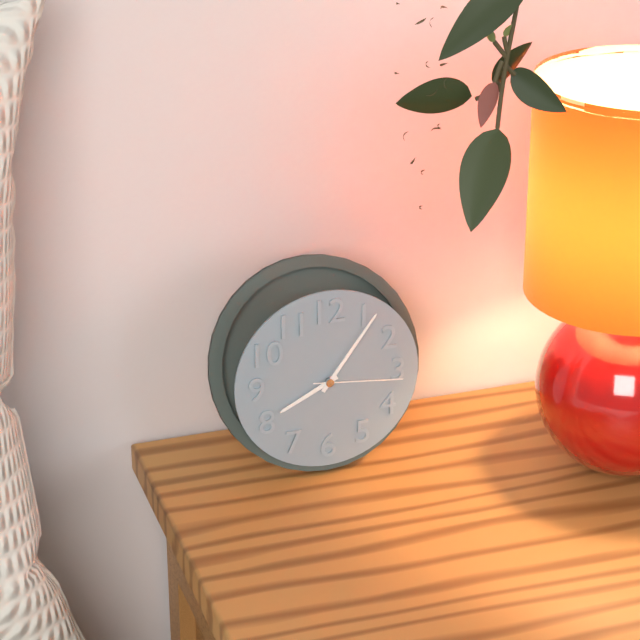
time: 8:06:16
